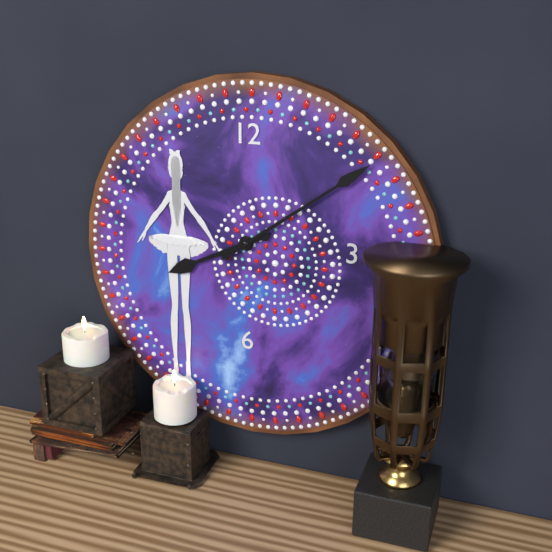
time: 8:09
